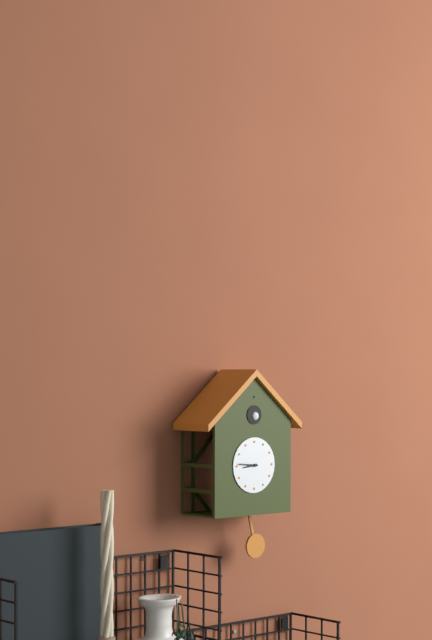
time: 8:46
